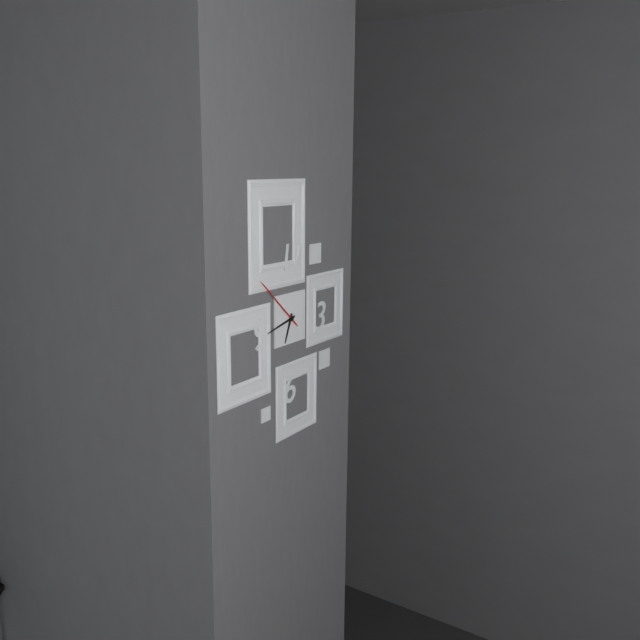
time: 6:43:52
